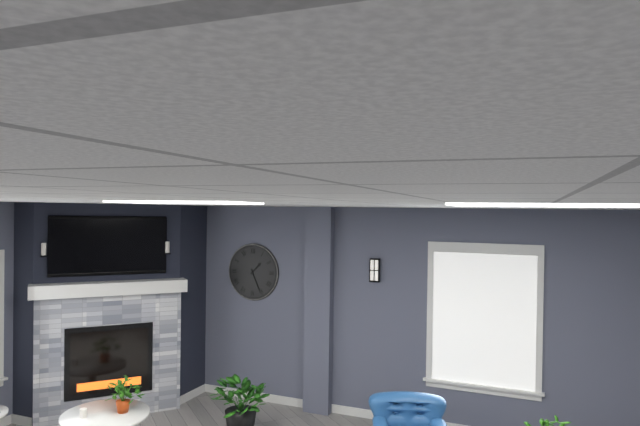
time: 1:26
